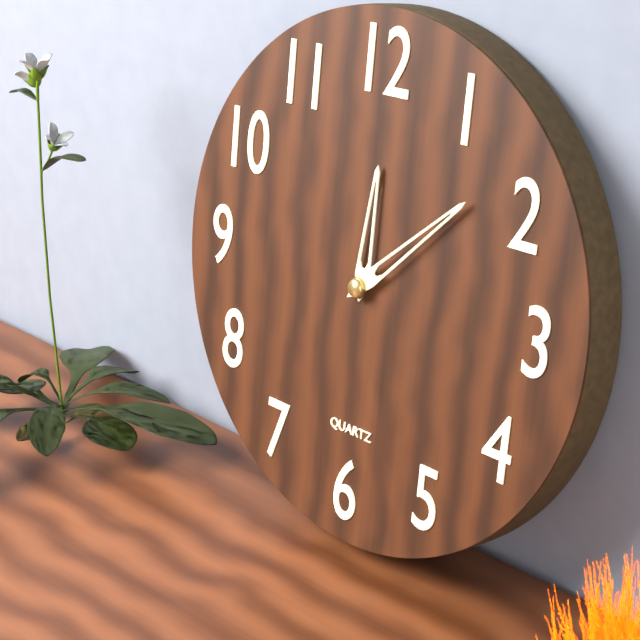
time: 12:08
